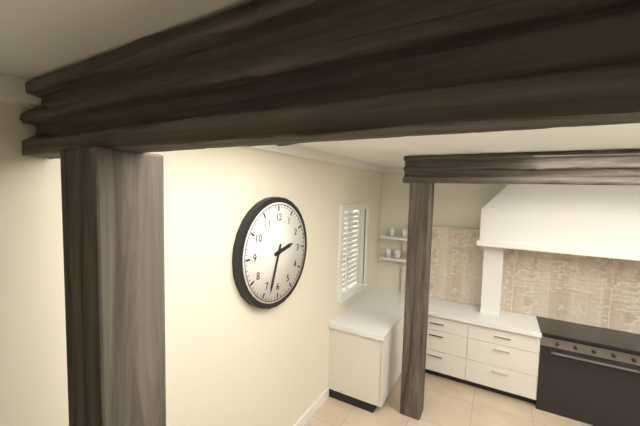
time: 2:33
